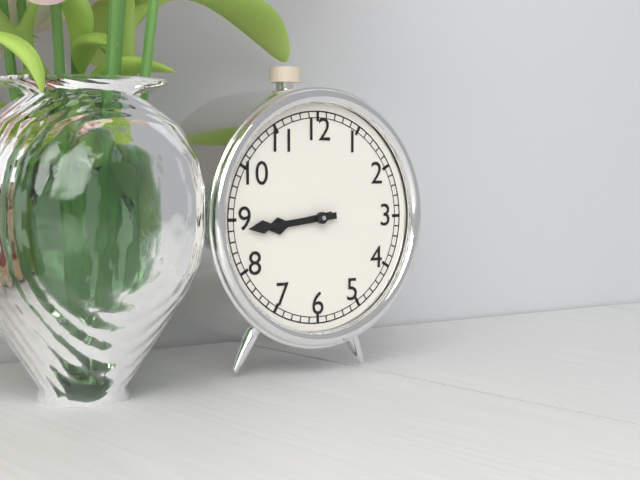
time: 8:44
